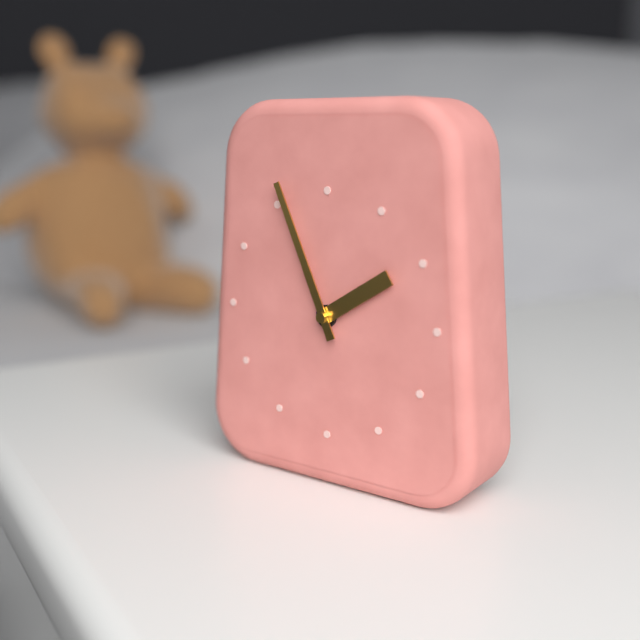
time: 1:56
